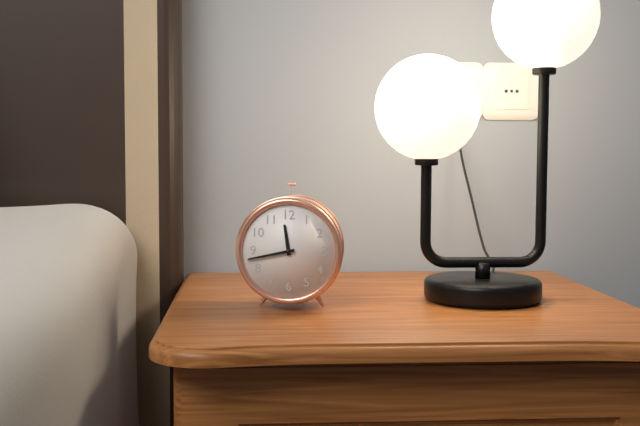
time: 11:43
